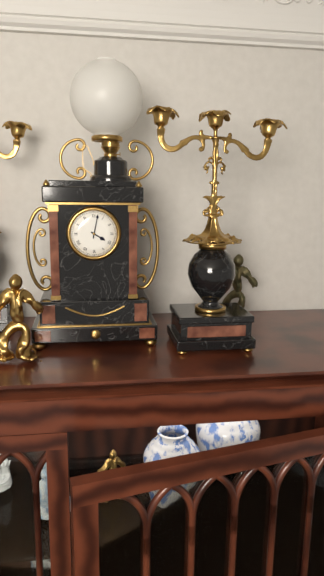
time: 4:02
